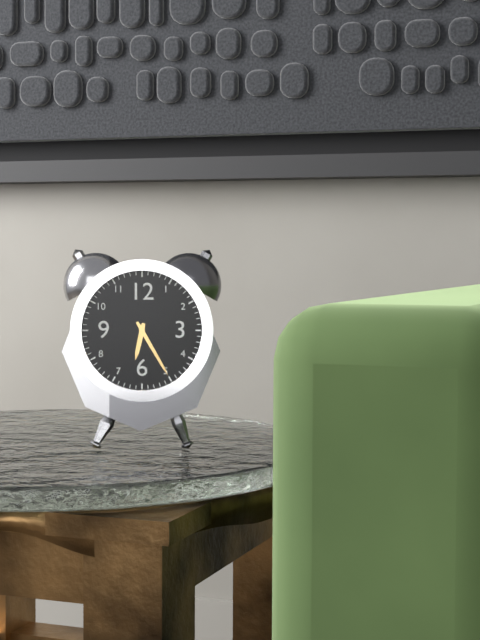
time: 6:25
